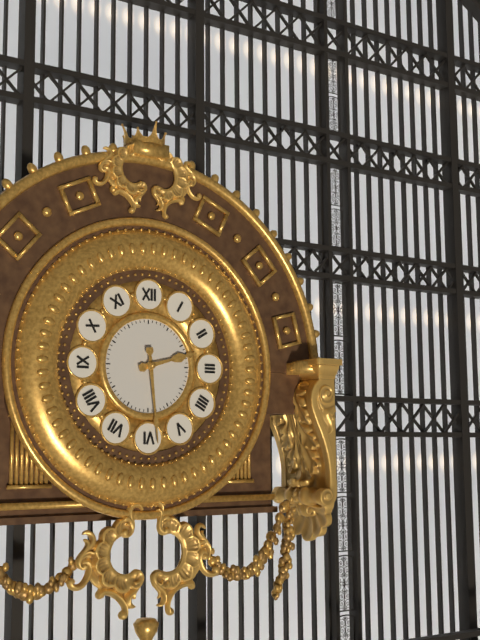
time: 2:29
